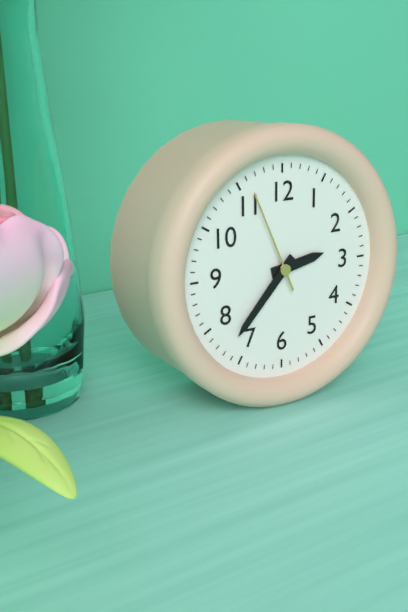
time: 2:37:56
